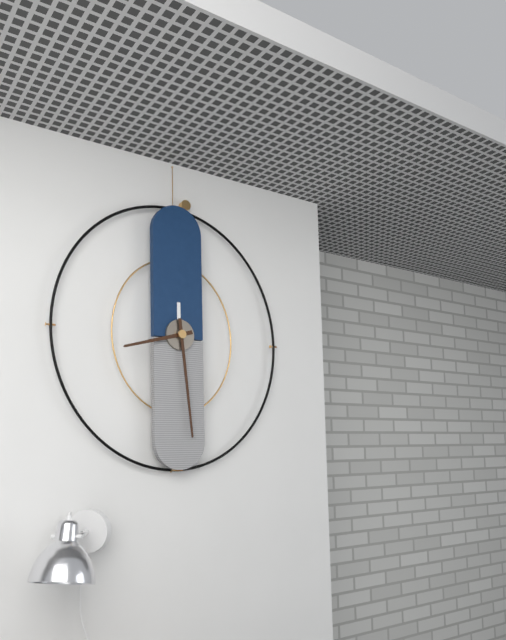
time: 8:29
